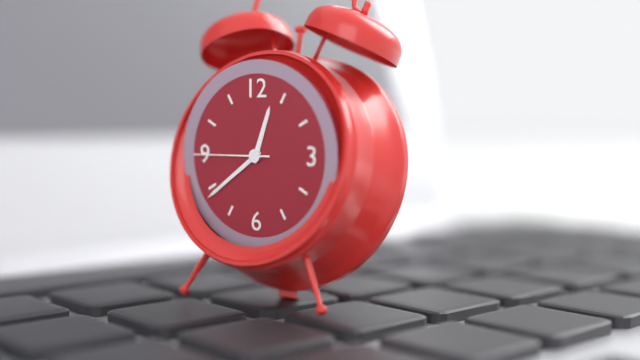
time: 12:39:45
